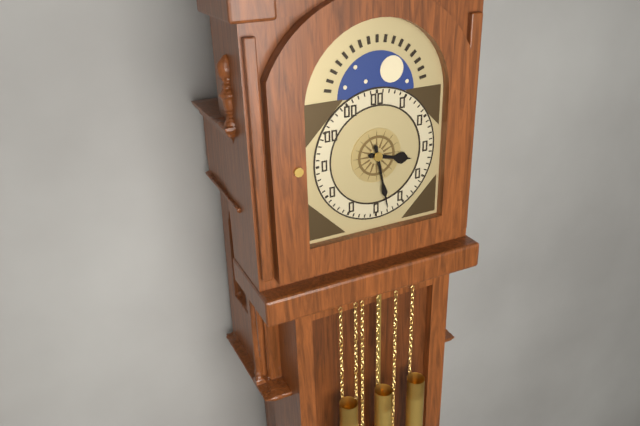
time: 3:28
